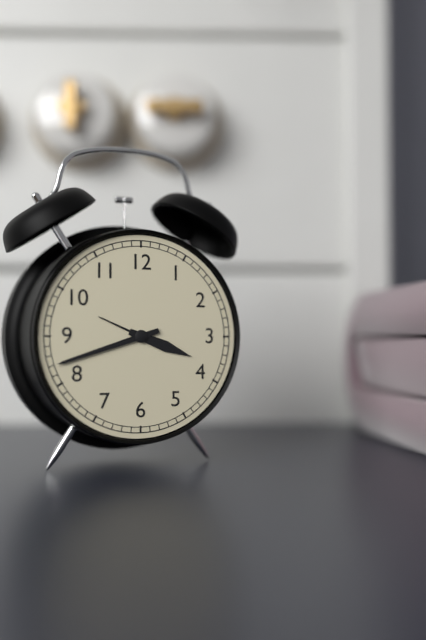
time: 3:42
